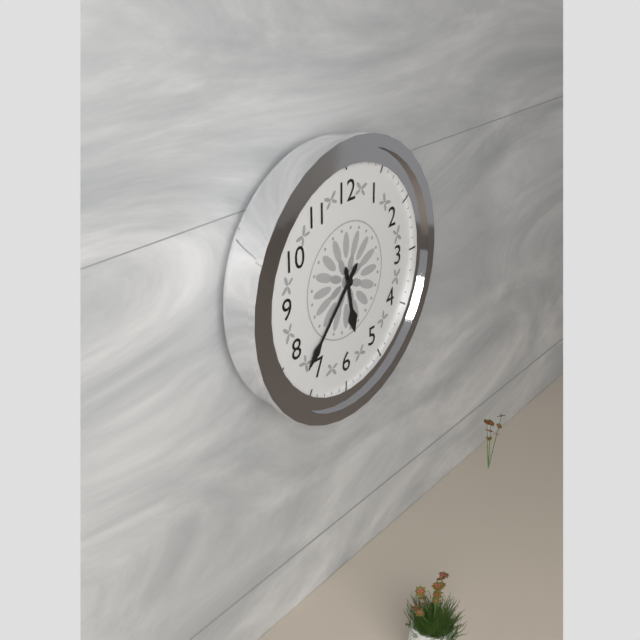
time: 5:37
